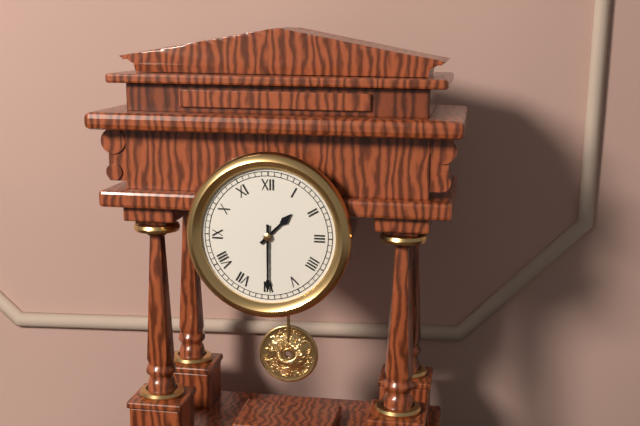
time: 1:30
